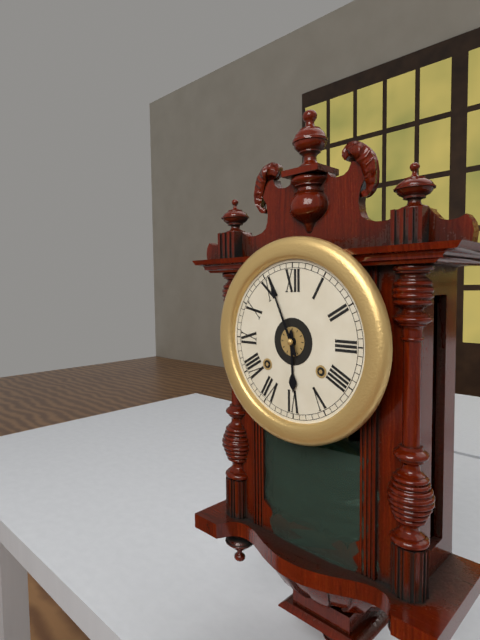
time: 5:56
